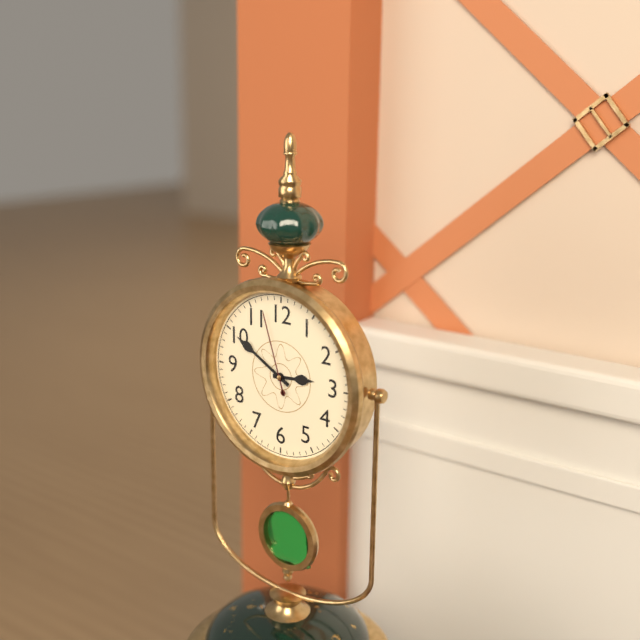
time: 2:50:57
